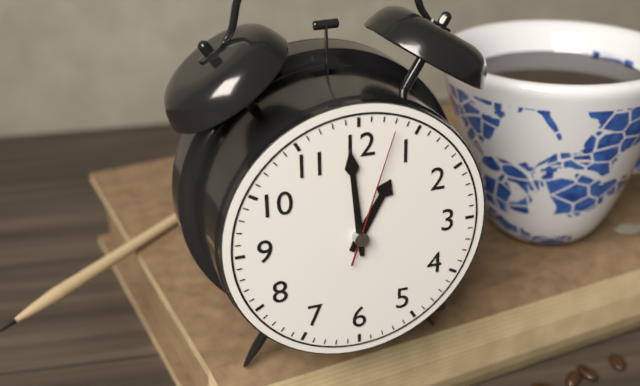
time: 12:59:03
